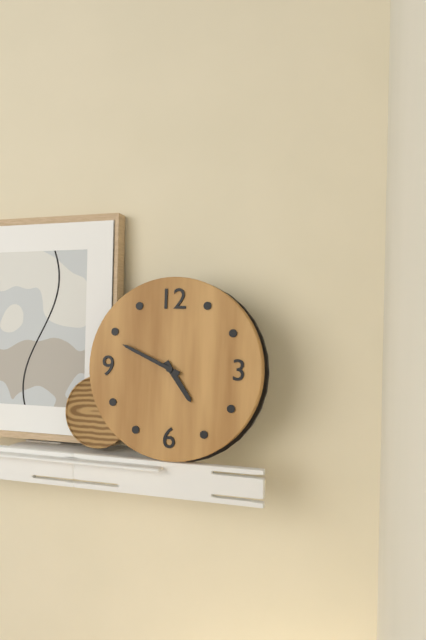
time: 4:49
